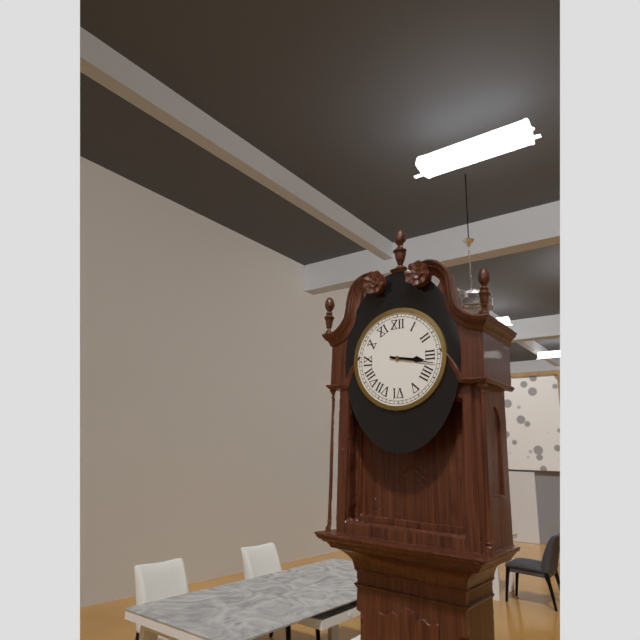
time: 3:17
